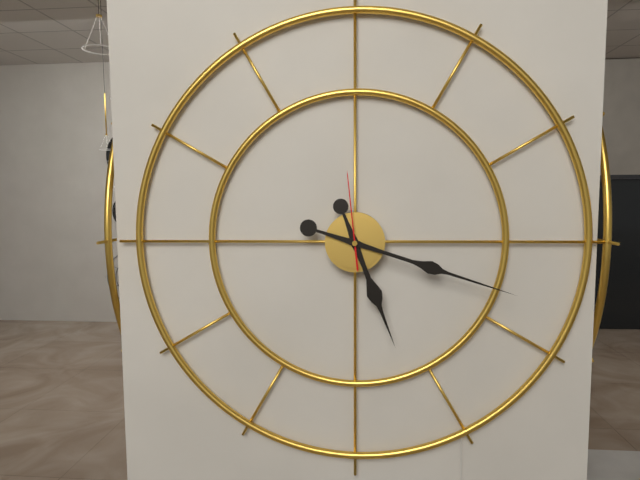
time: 5:18:59
